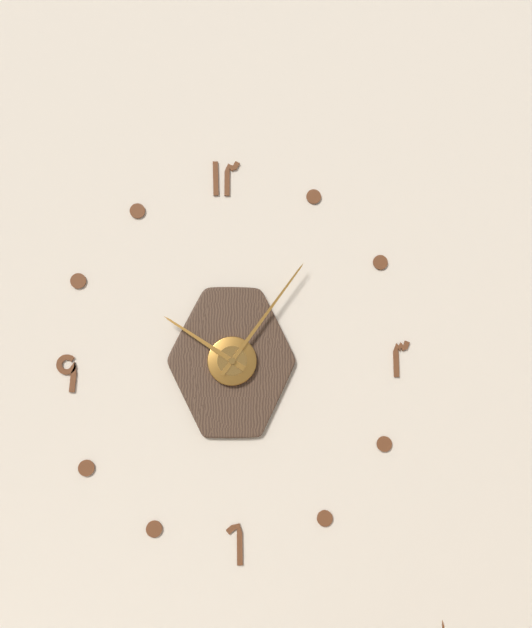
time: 10:06
